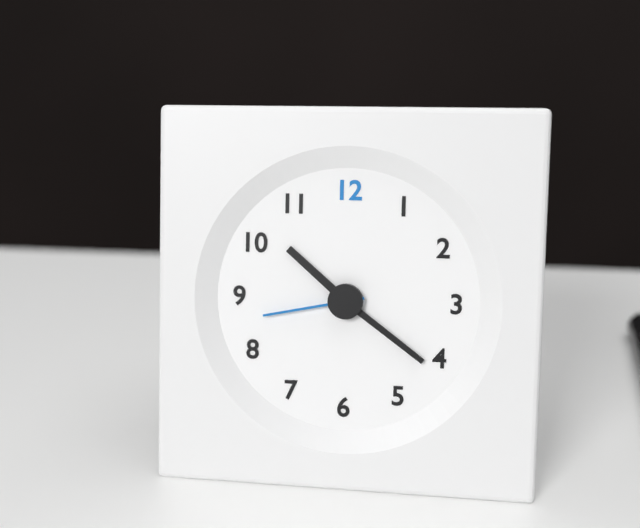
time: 10:21:43
